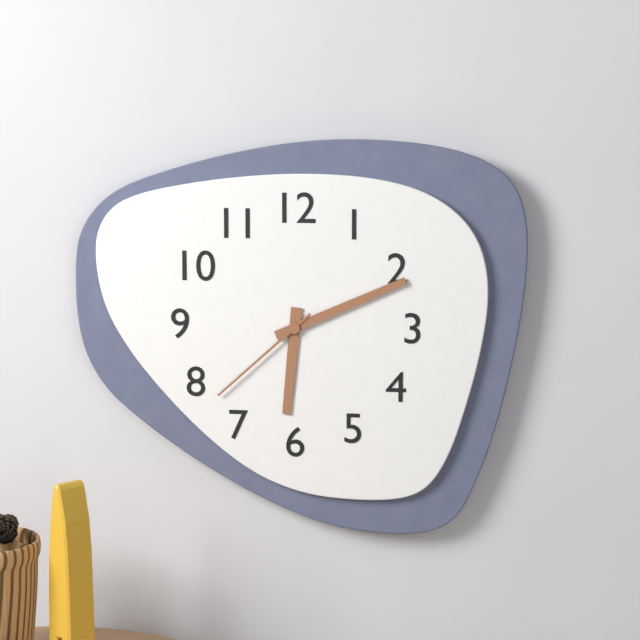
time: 6:11:38
